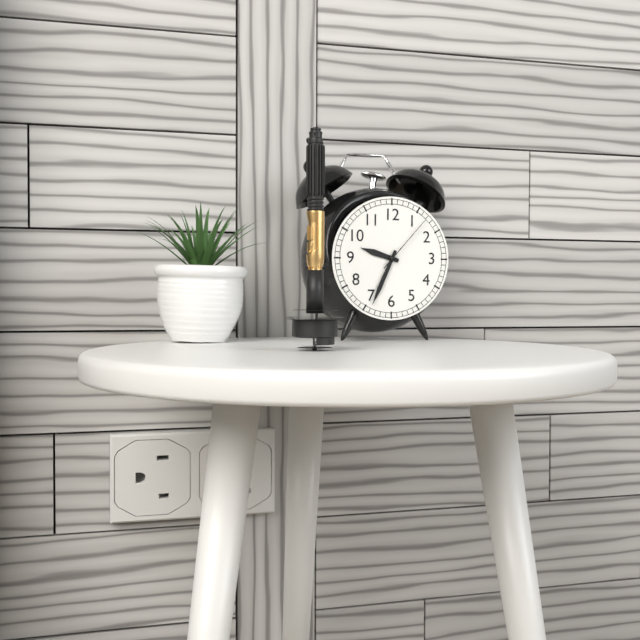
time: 9:34:07
